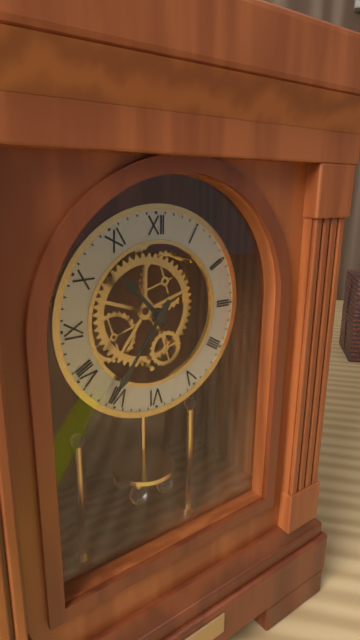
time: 10:36
